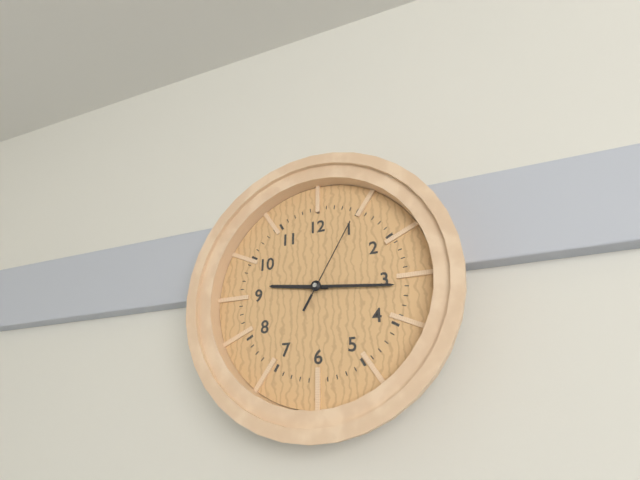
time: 9:16:05
